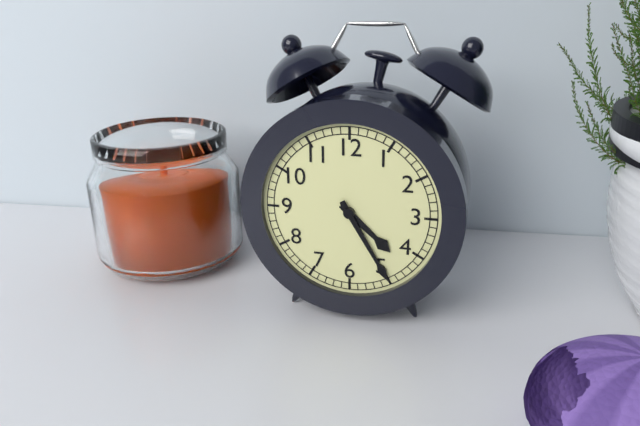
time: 4:25
